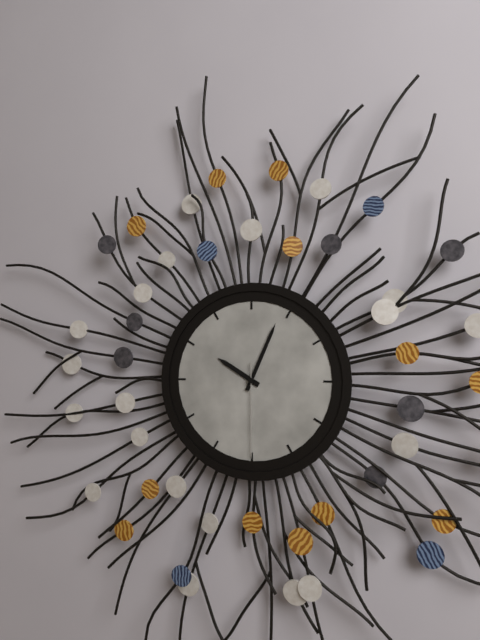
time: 10:04:30
